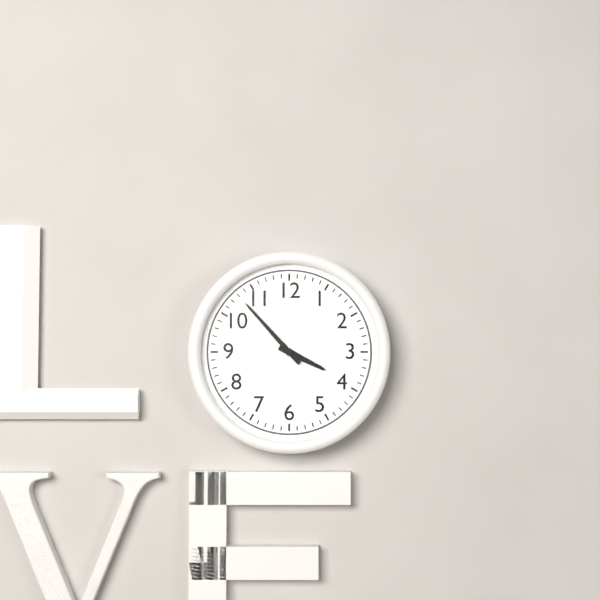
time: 3:53
